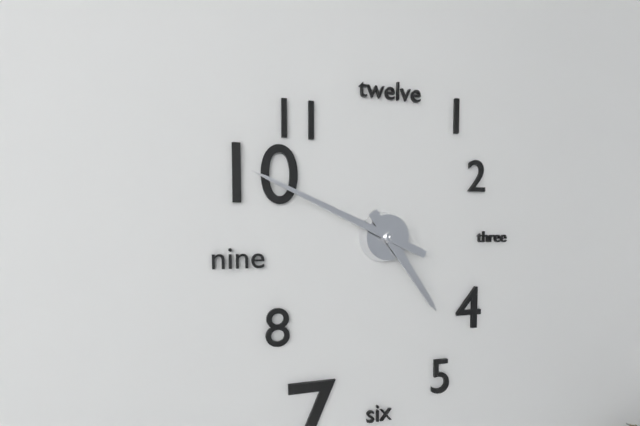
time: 4:49
